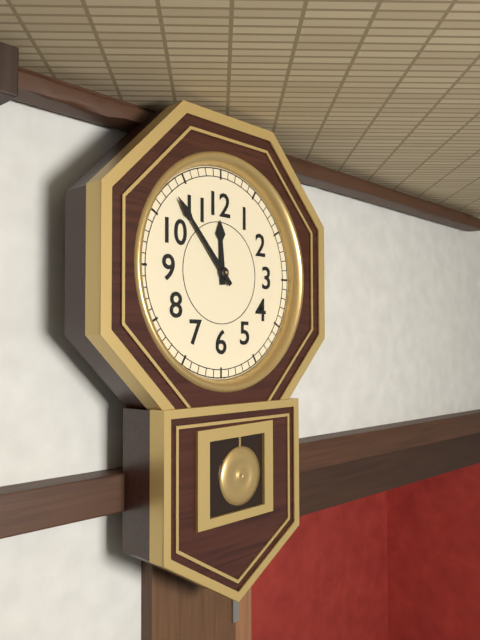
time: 11:53
